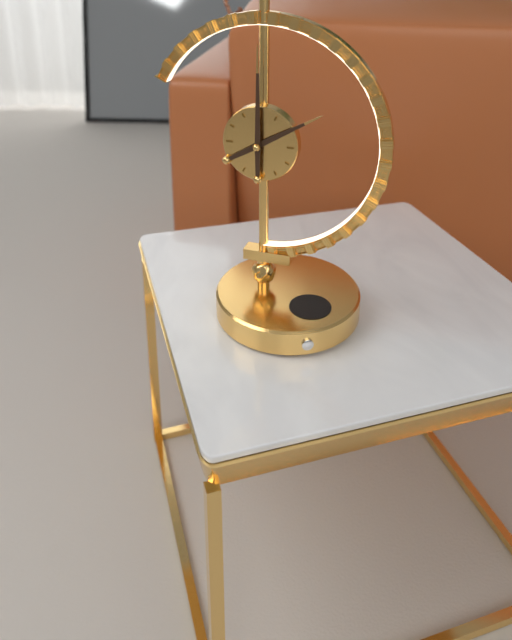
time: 2:00
